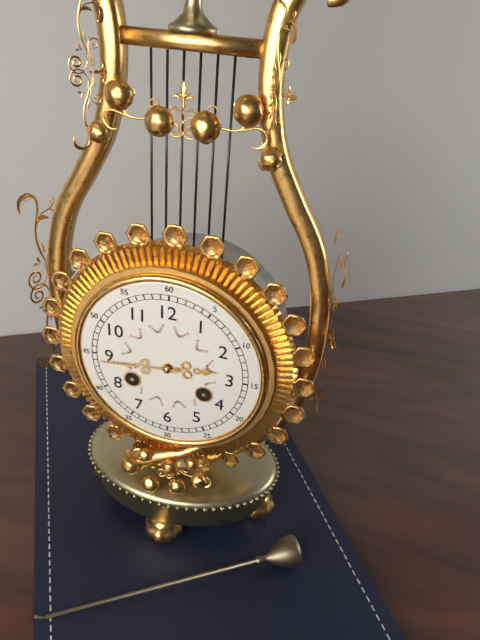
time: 2:44
